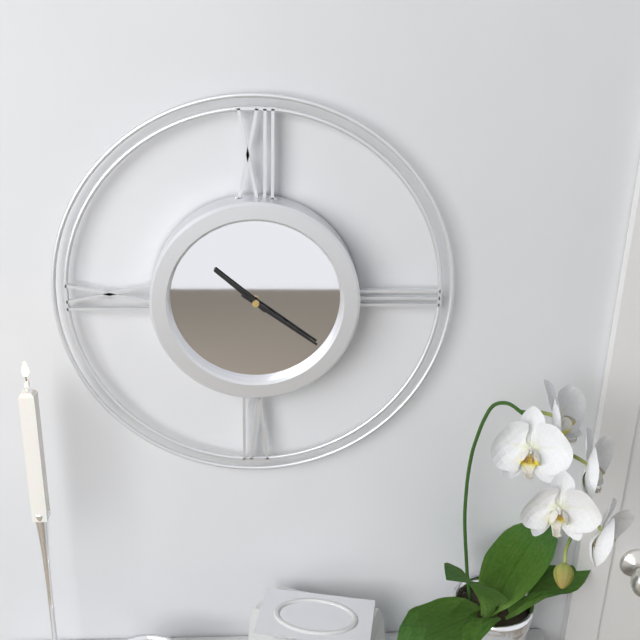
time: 10:21
